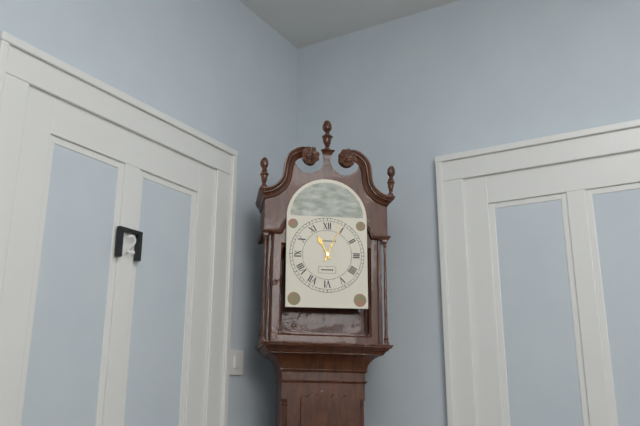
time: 11:04
